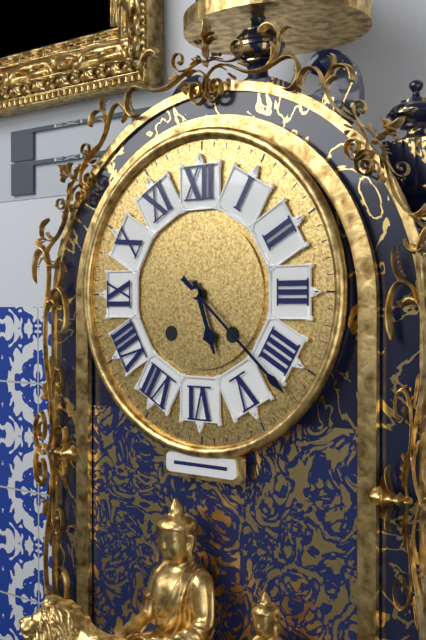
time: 5:22
